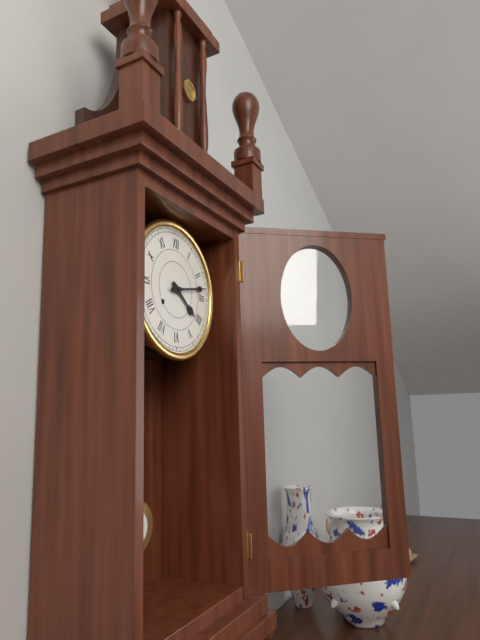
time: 4:13
